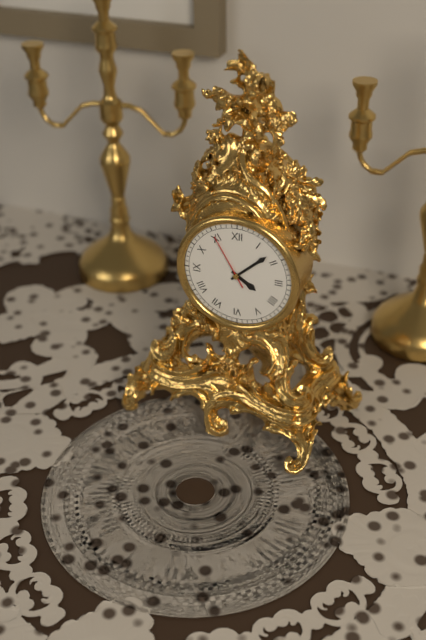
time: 4:08:55
